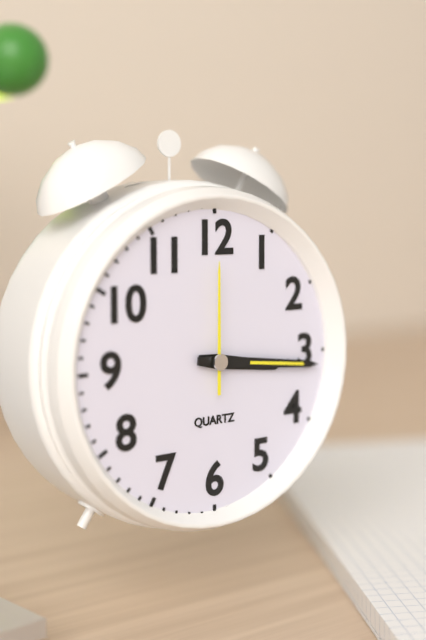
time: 3:16:00
